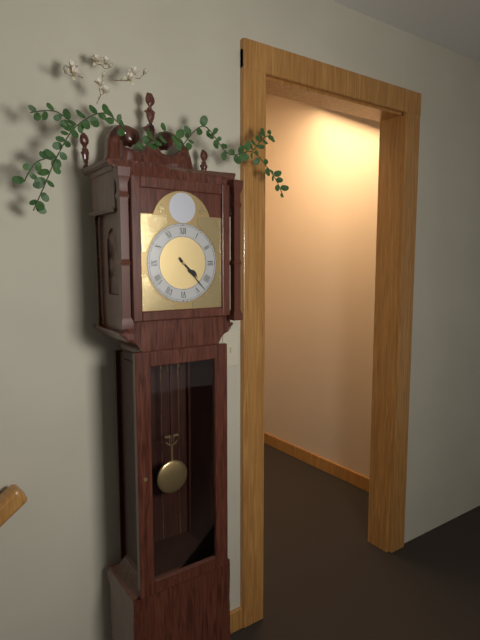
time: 4:23
